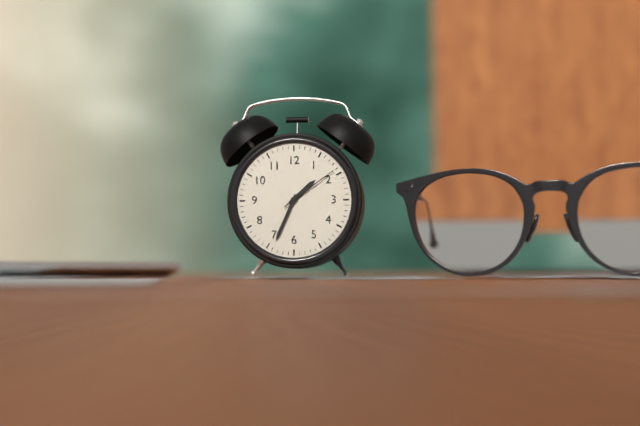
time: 1:34:09
